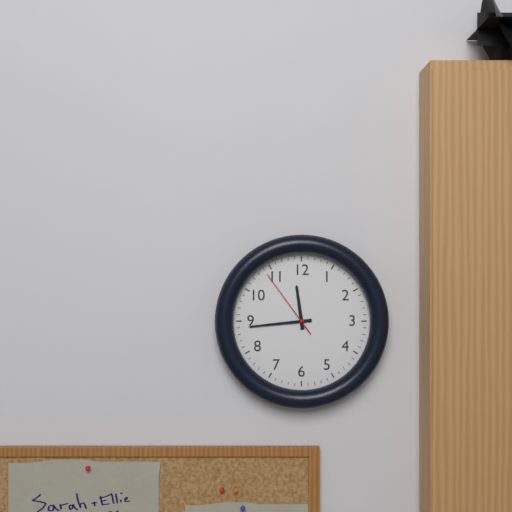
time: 11:44:54
